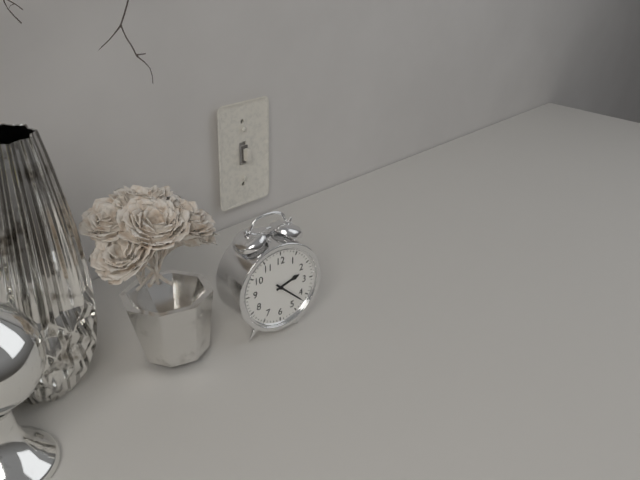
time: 2:22
